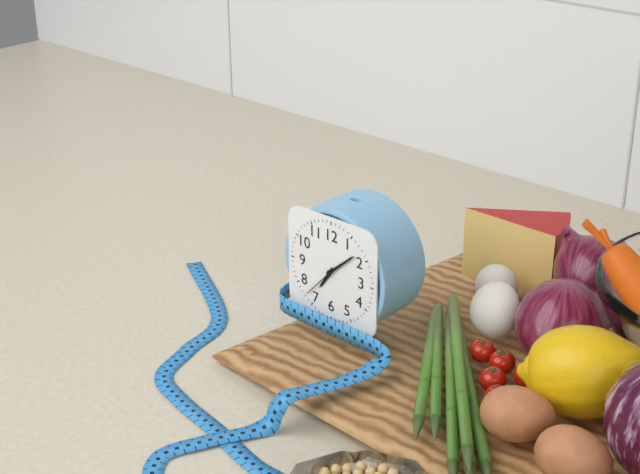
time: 7:08
